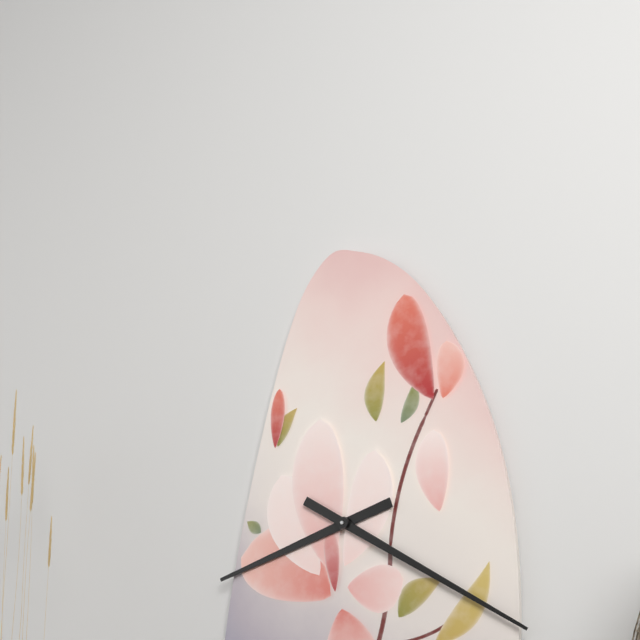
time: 8:20
